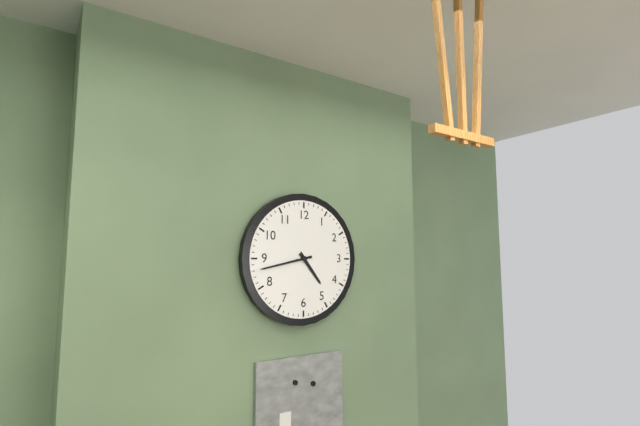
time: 4:43
